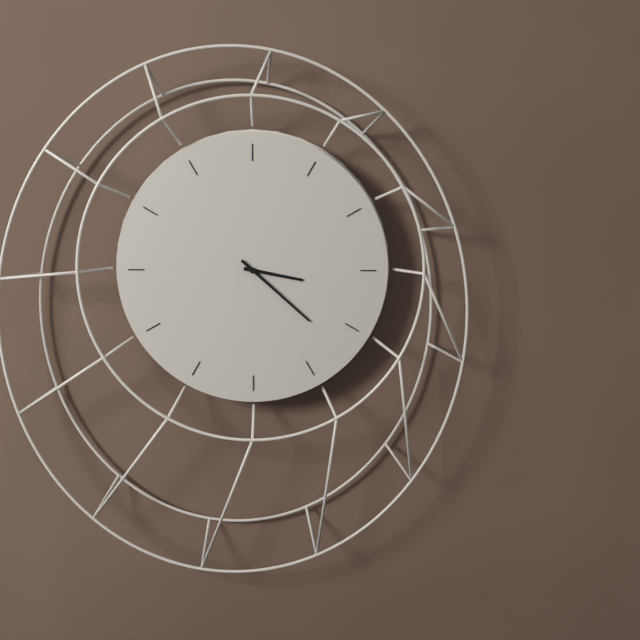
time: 3:22
